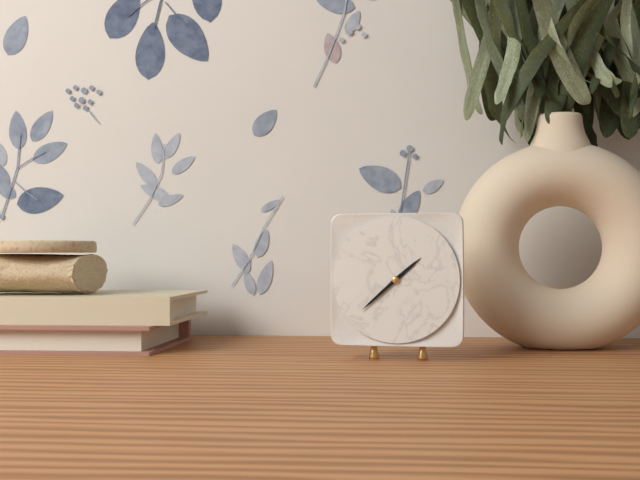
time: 1:38
